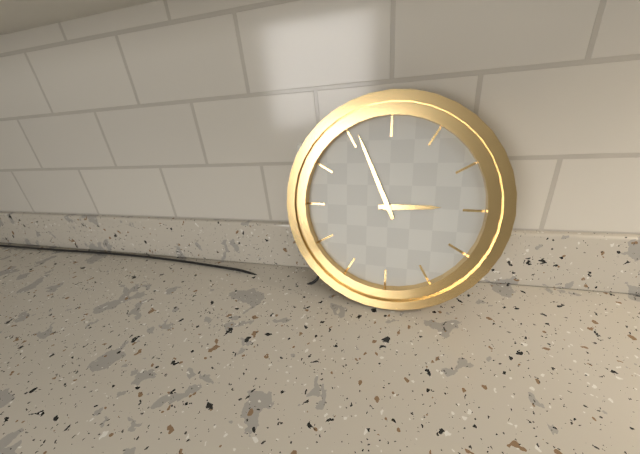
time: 2:56
